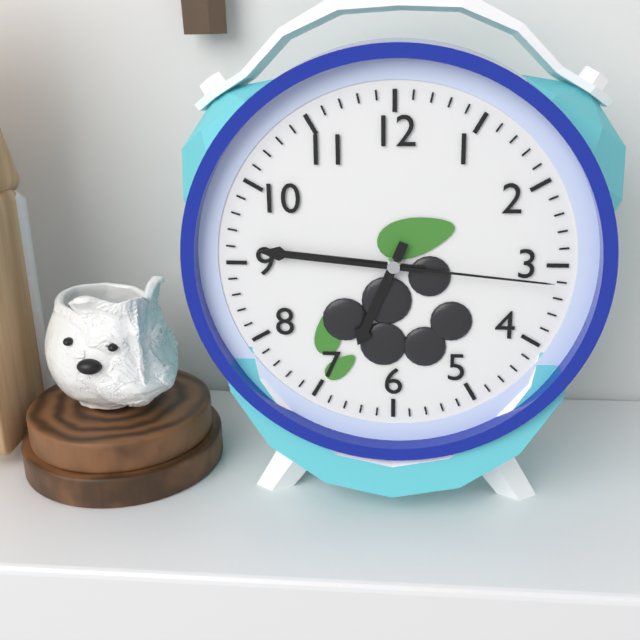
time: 6:46:16
